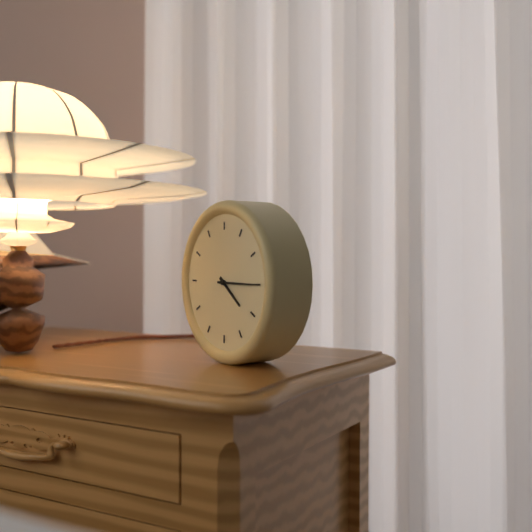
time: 4:15
